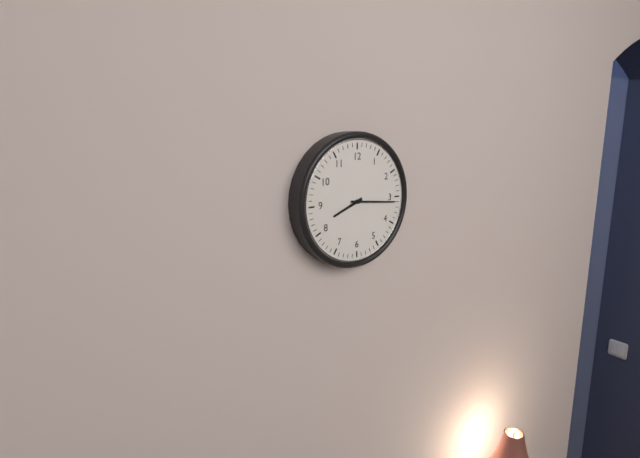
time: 8:16
